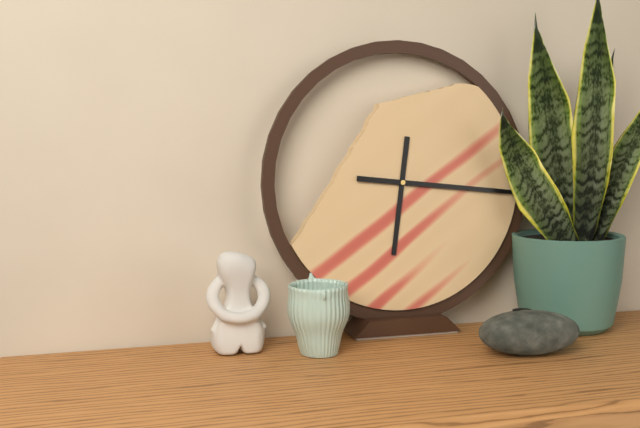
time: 6:16
